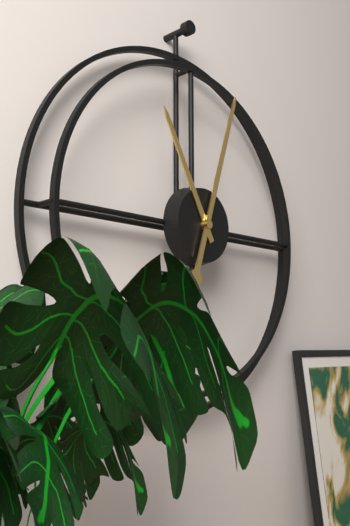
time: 11:03
